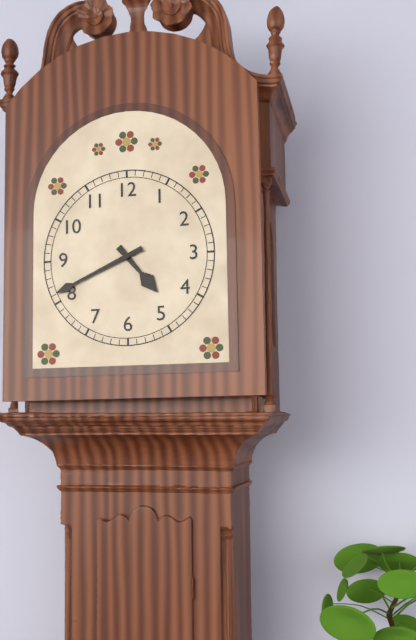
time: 4:41
